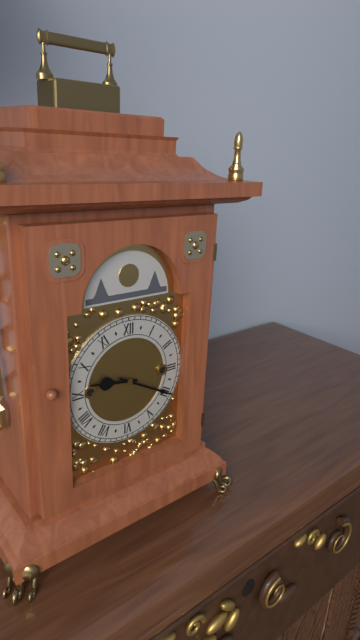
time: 9:20
